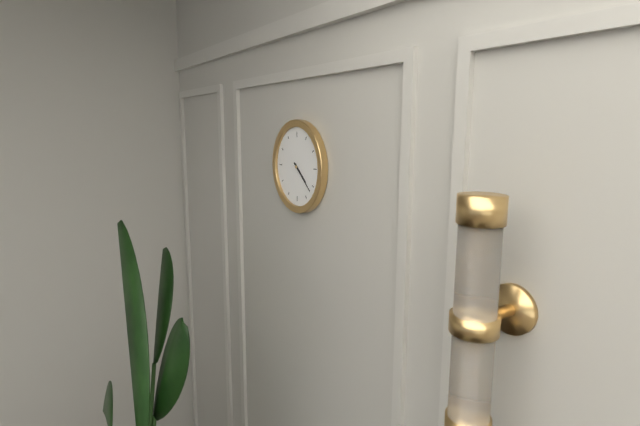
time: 4:22
